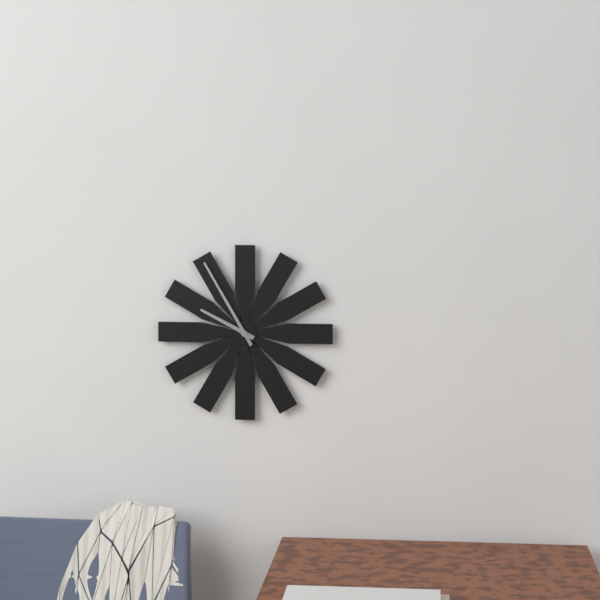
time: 9:55
